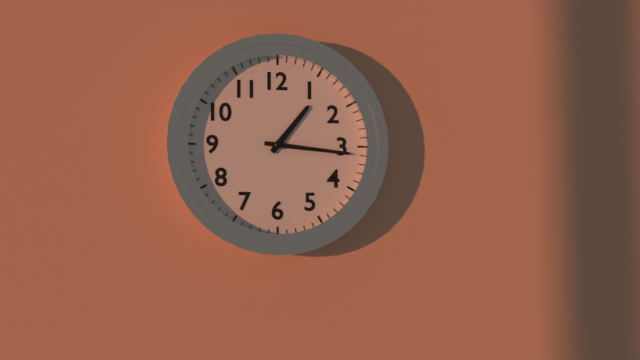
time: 1:16
